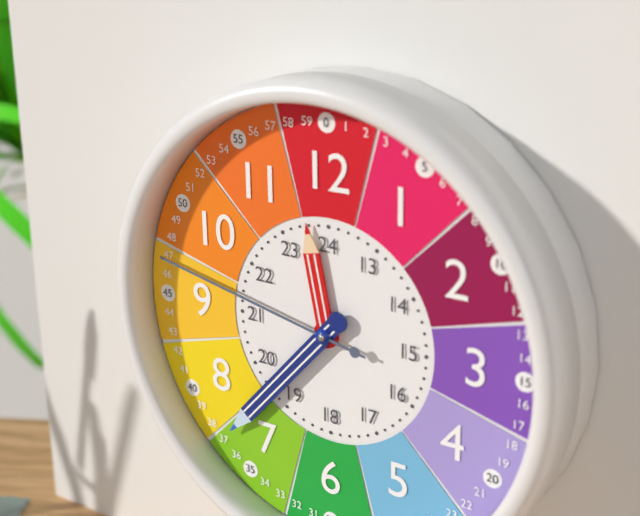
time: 11:37:47
